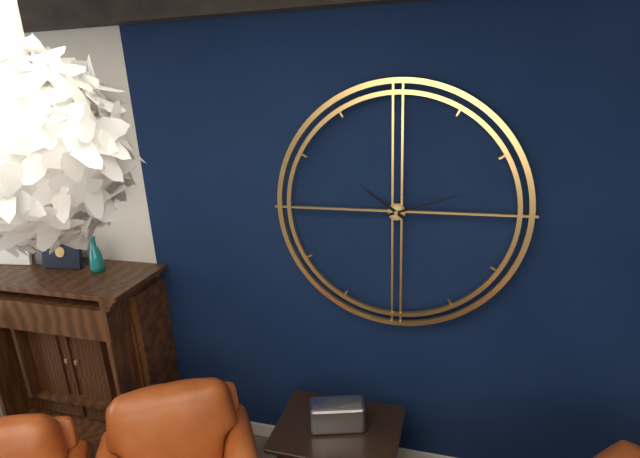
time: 10:12
